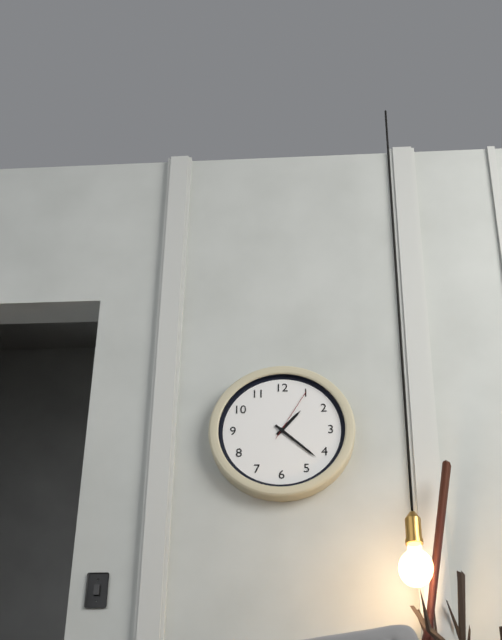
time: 1:22:05
